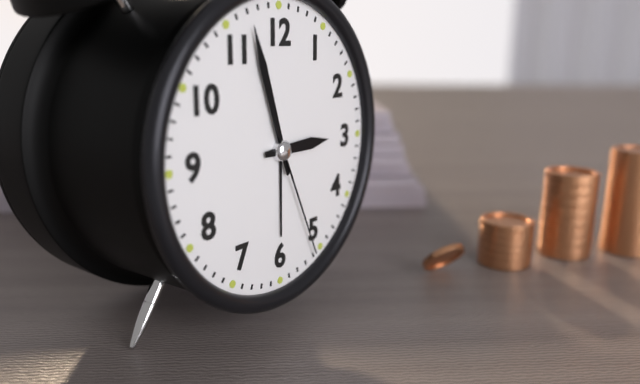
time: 2:57:26
